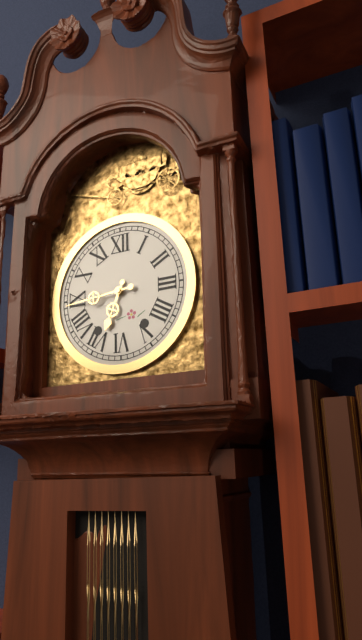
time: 6:44
